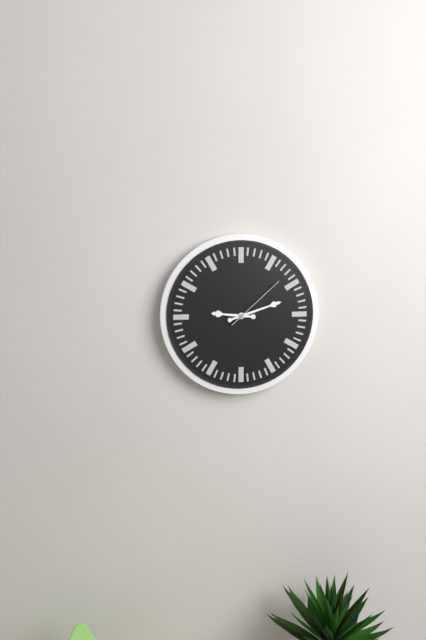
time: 9:12:08
